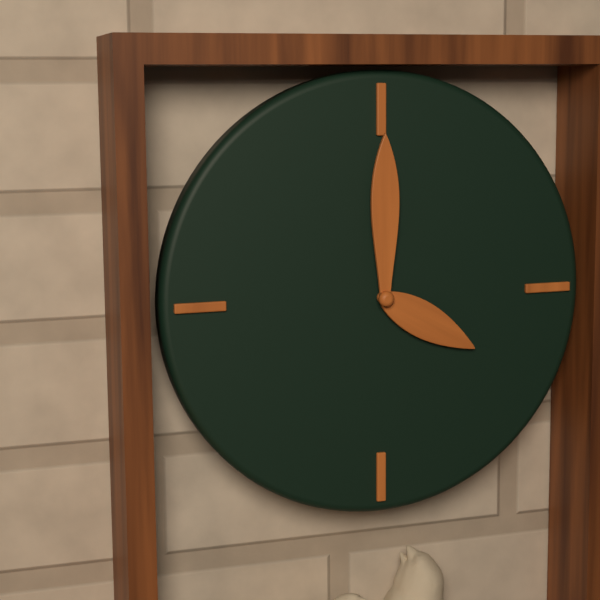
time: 4:00
